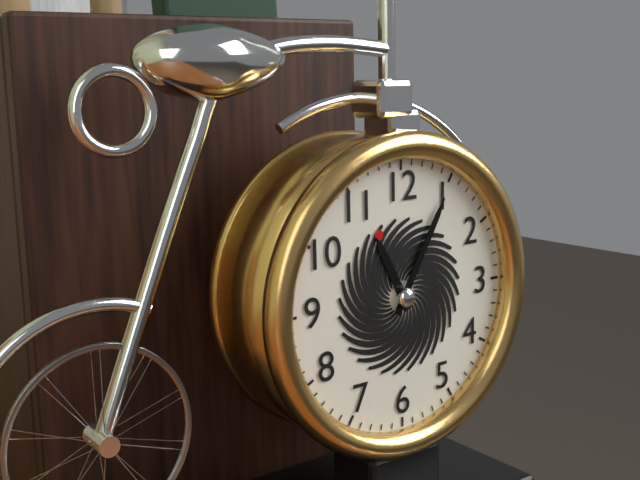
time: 11:05
